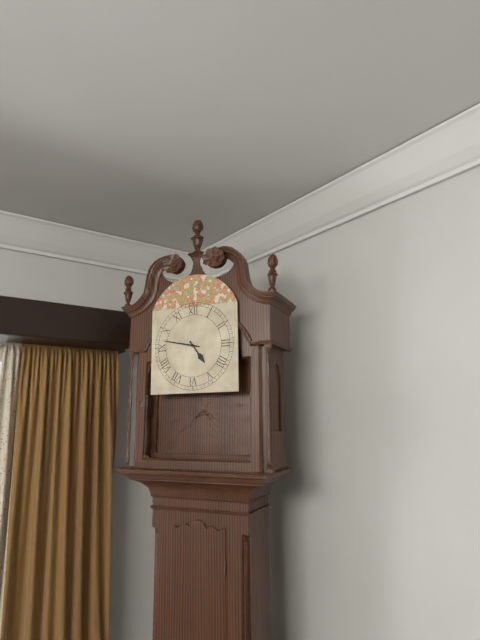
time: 4:47
